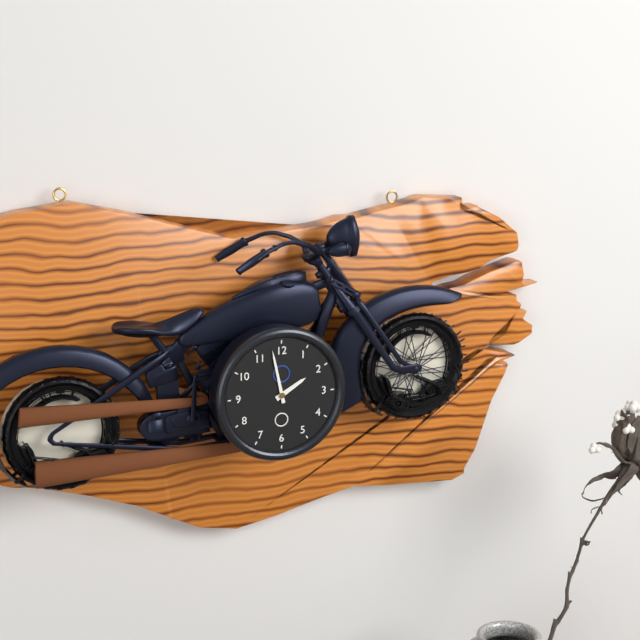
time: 1:58
